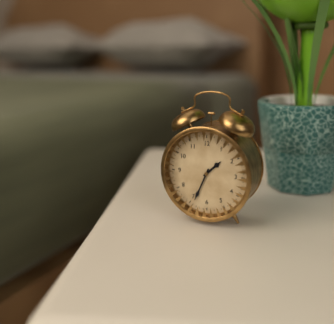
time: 1:34
